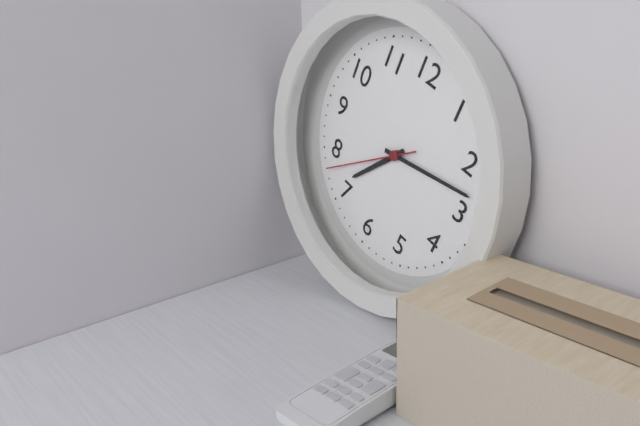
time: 7:13:38
